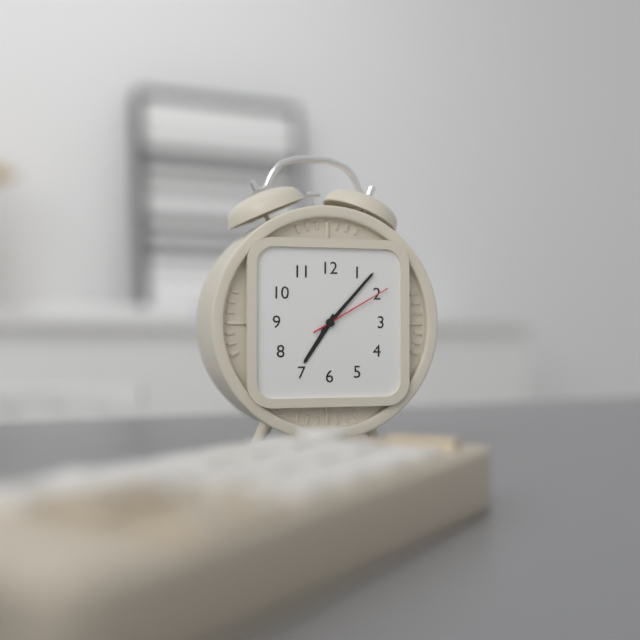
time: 7:07:10
